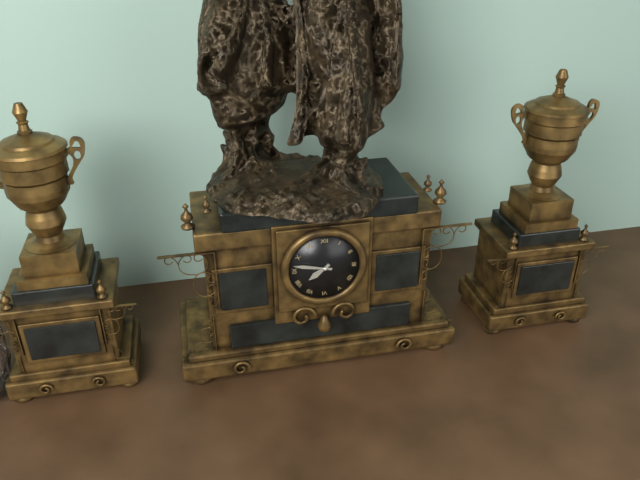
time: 7:47
